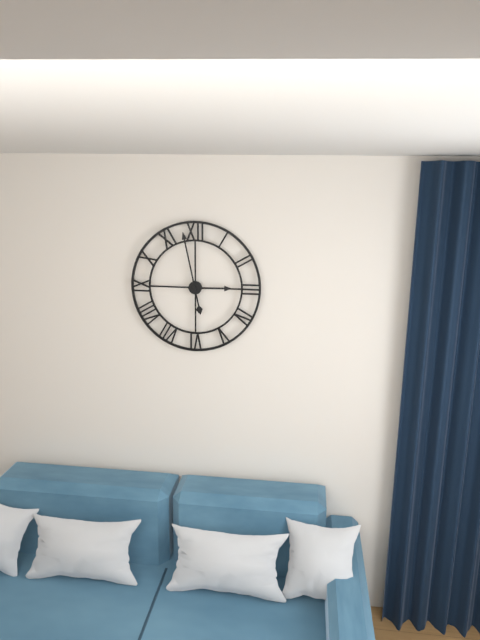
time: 2:58
